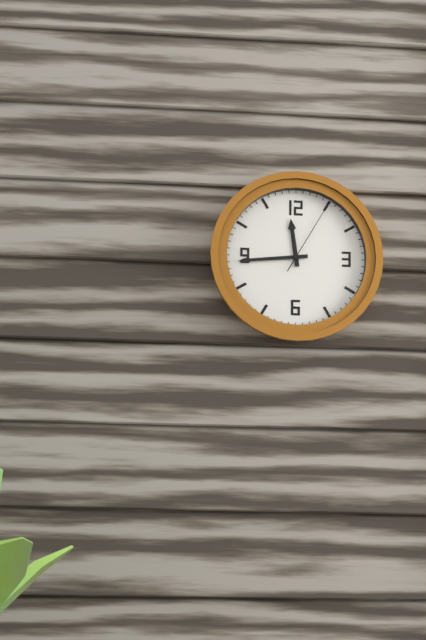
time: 11:44:05
